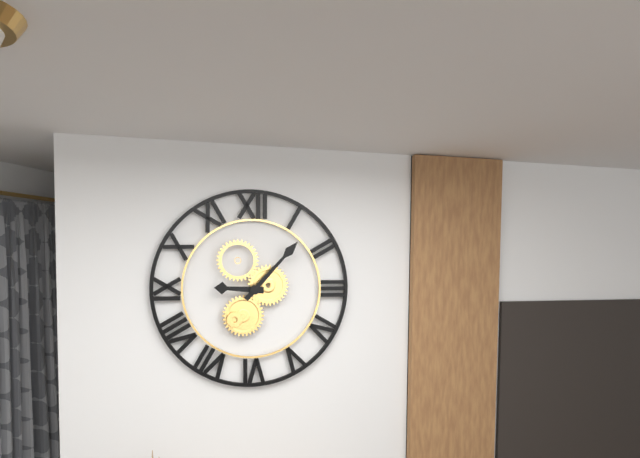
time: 9:07
